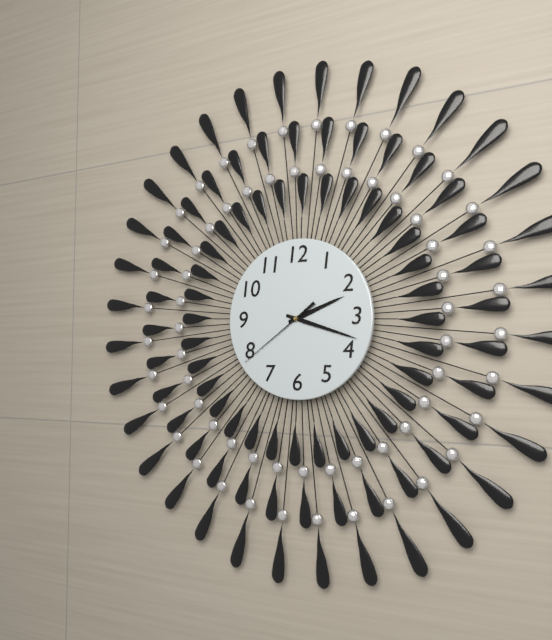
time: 2:18:39
